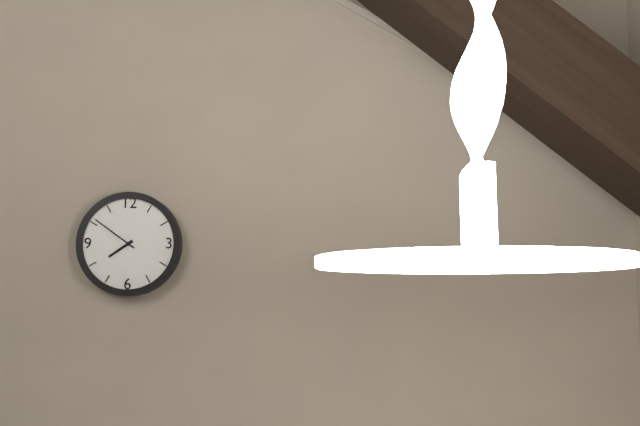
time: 7:51
